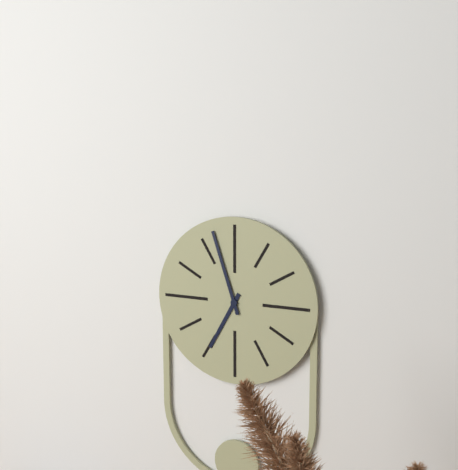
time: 6:57
